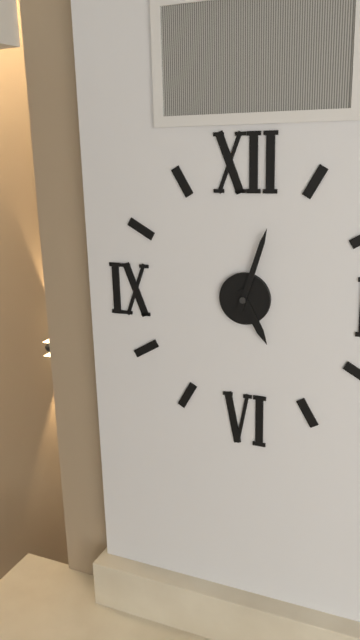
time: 5:03
